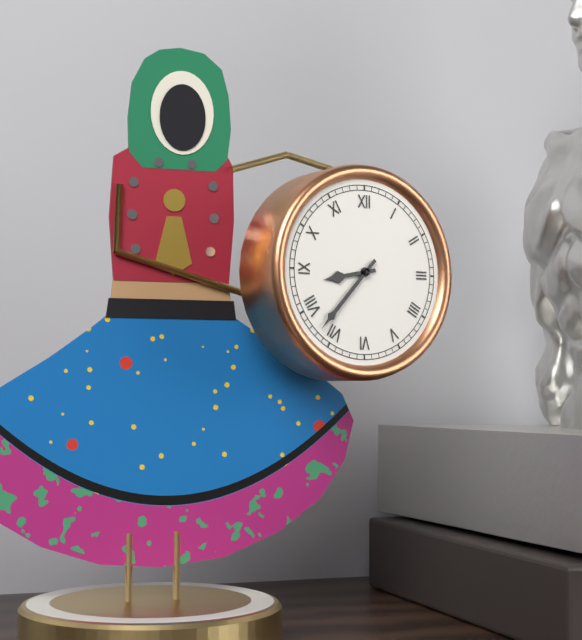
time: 8:37
